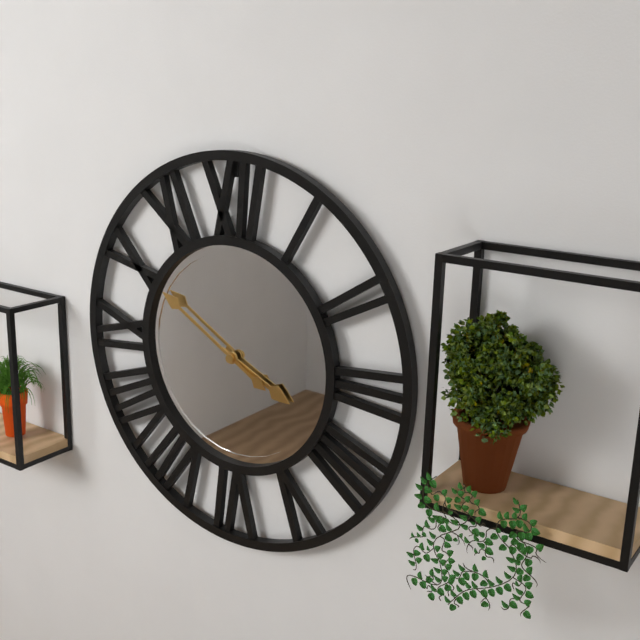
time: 3:50
